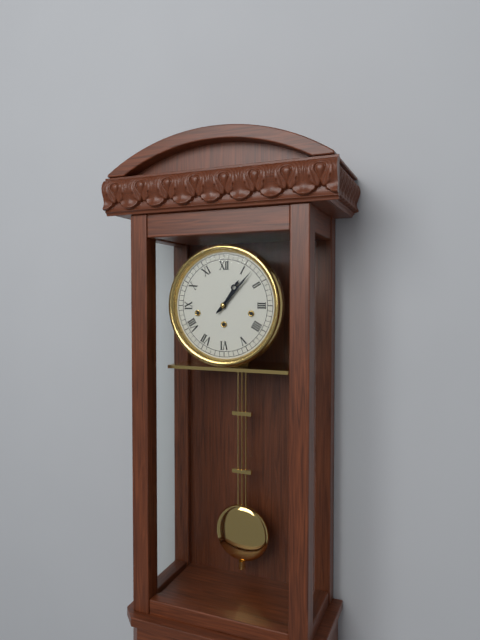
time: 1:07
